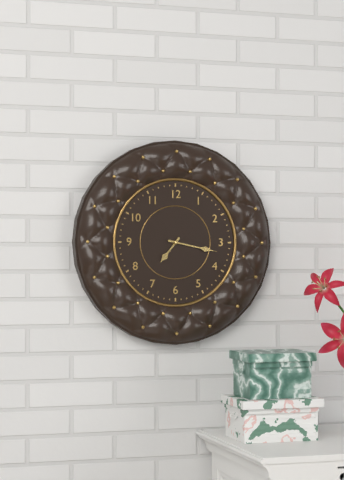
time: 7:17
